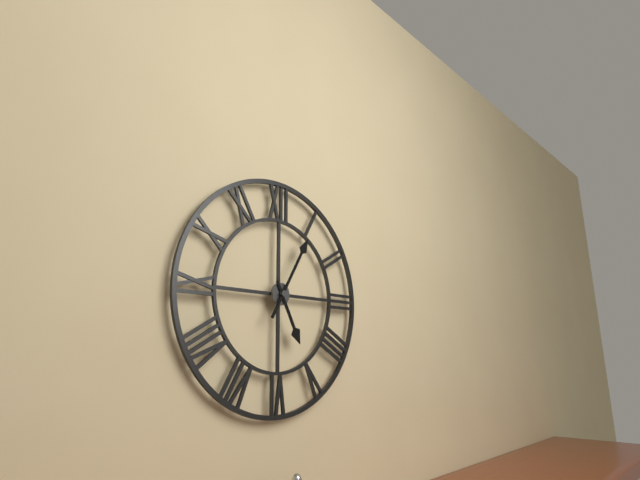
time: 5:05
